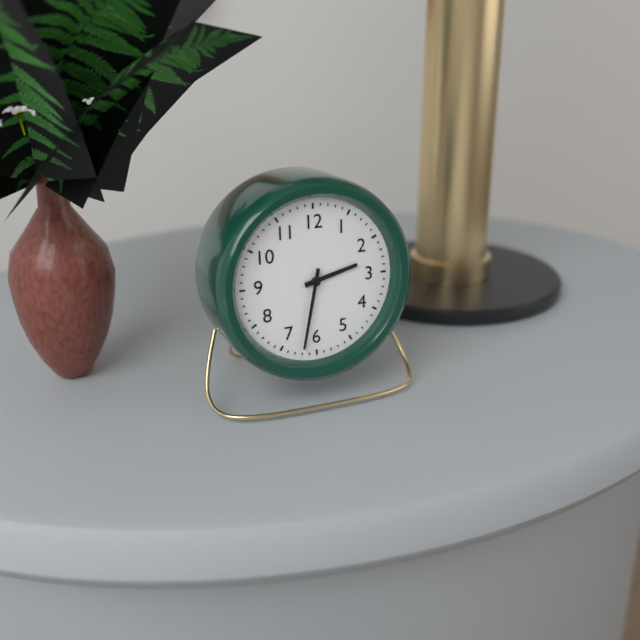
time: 2:32
